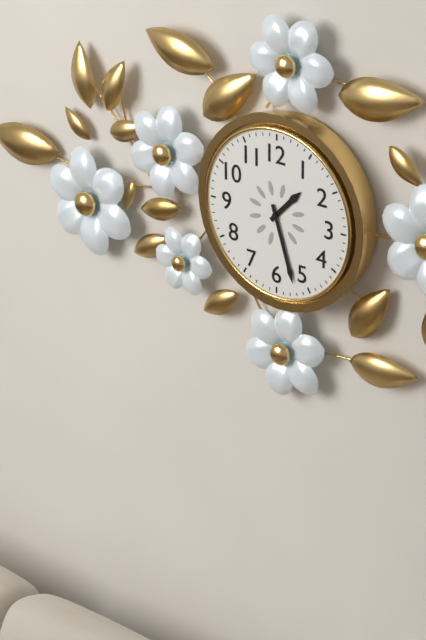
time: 1:27
